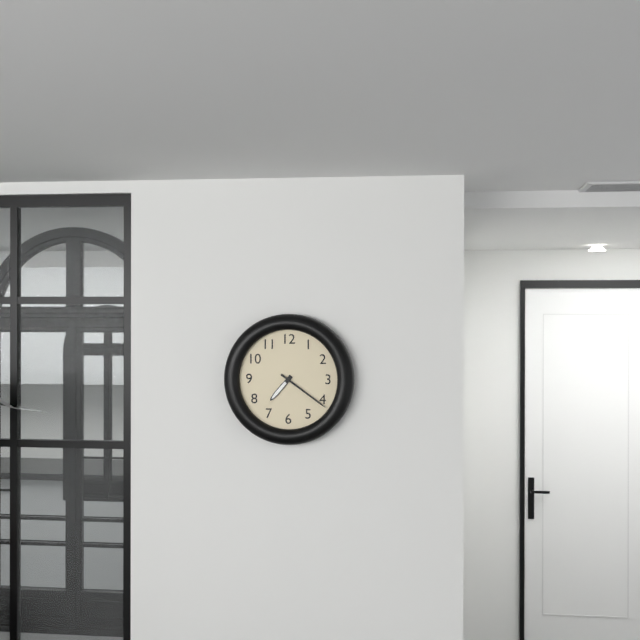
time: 7:21
